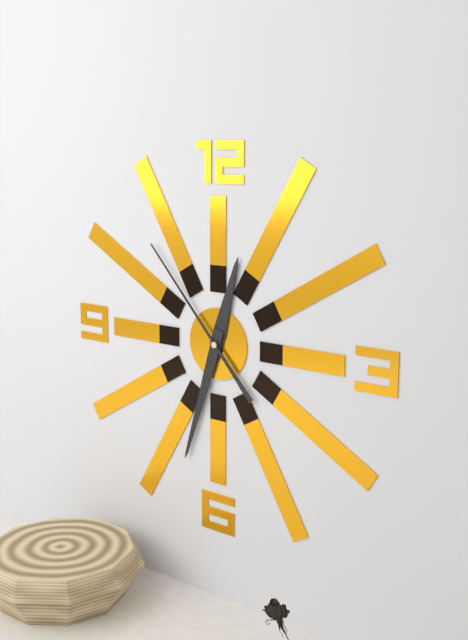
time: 12:33:53
